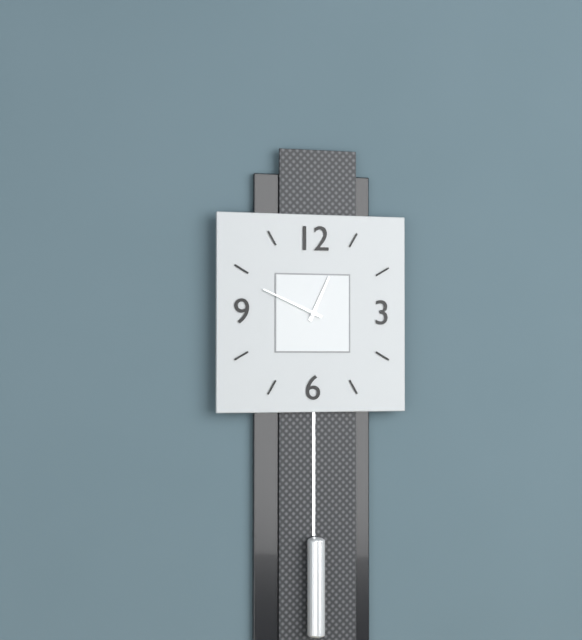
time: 12:49
